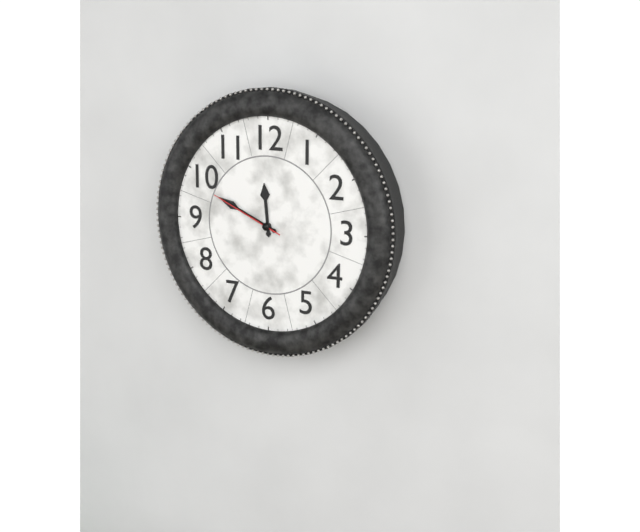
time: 11:49:49
